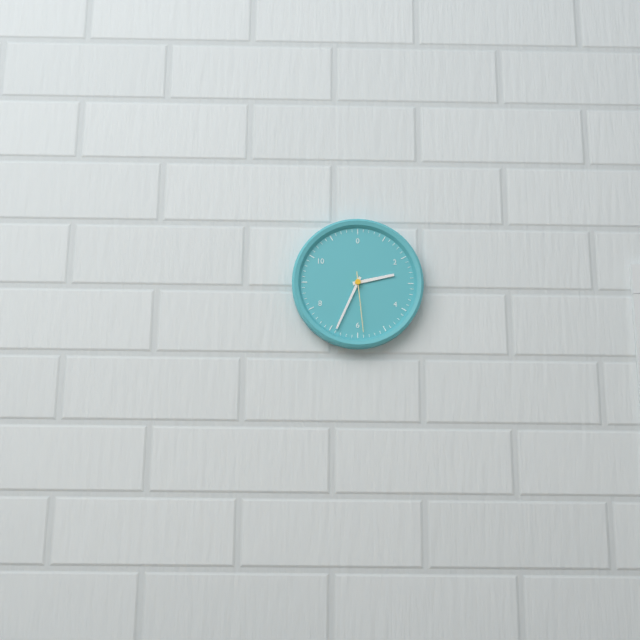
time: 2:34:29
